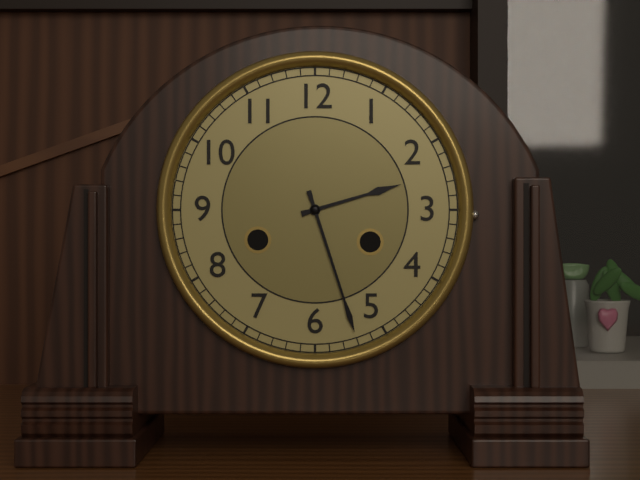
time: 2:27
